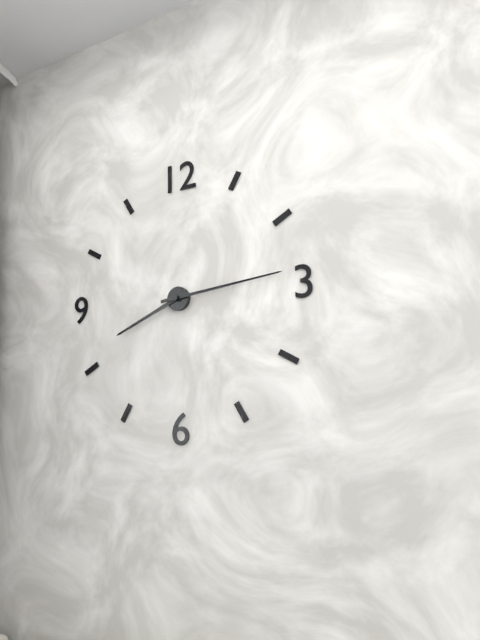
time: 8:14
